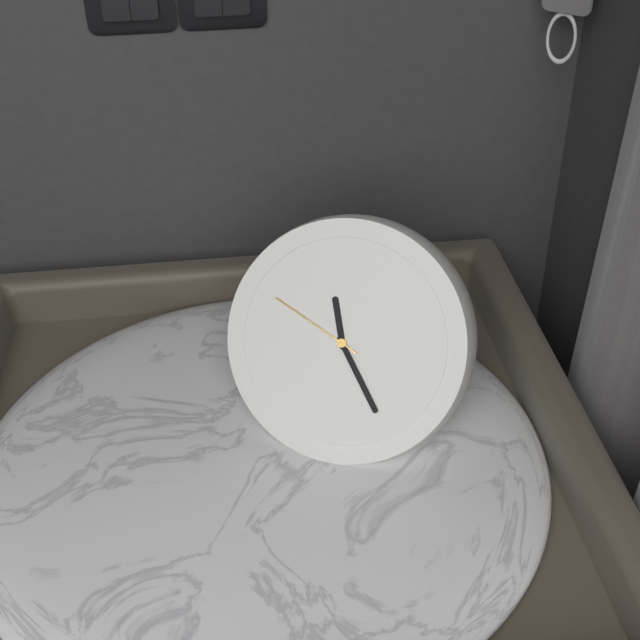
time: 11:24:49
